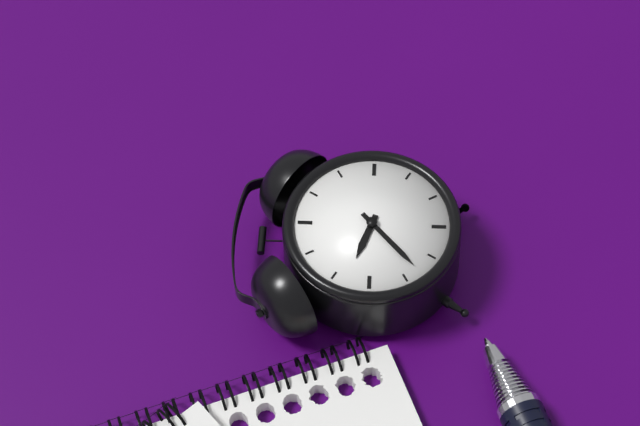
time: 9:38
